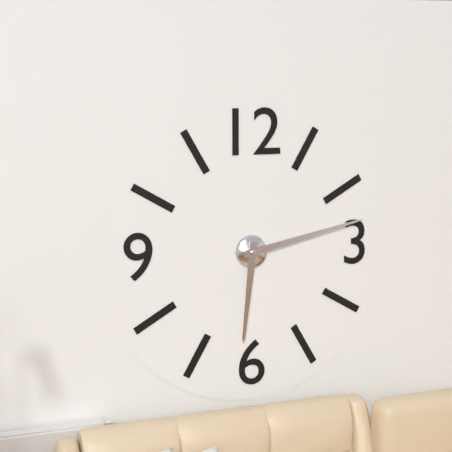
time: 6:13
